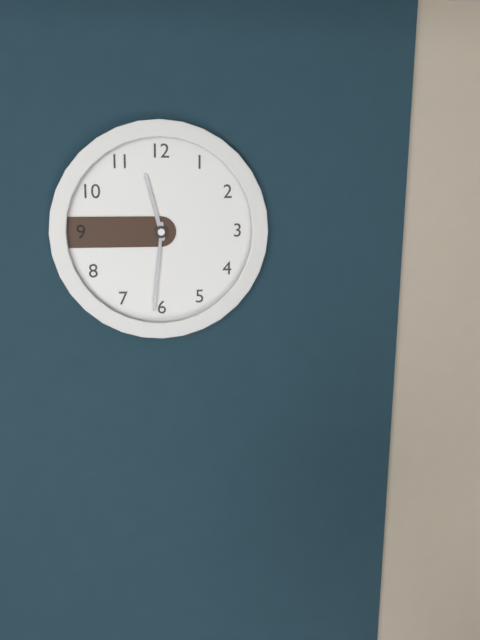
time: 11:31
